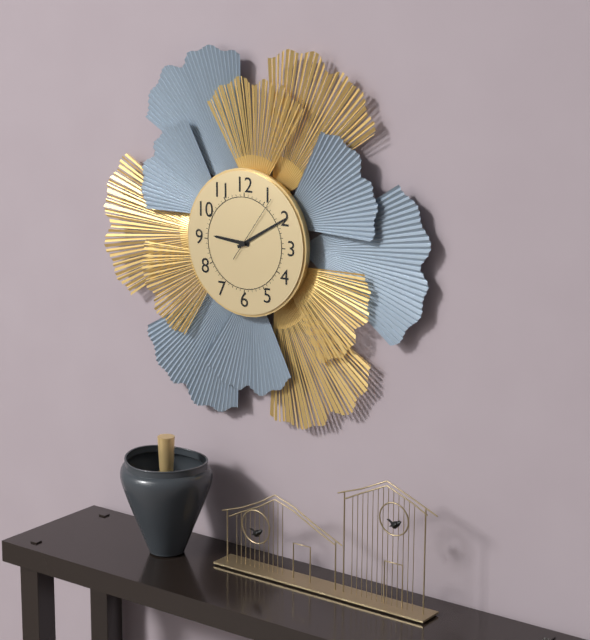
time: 9:10:06
